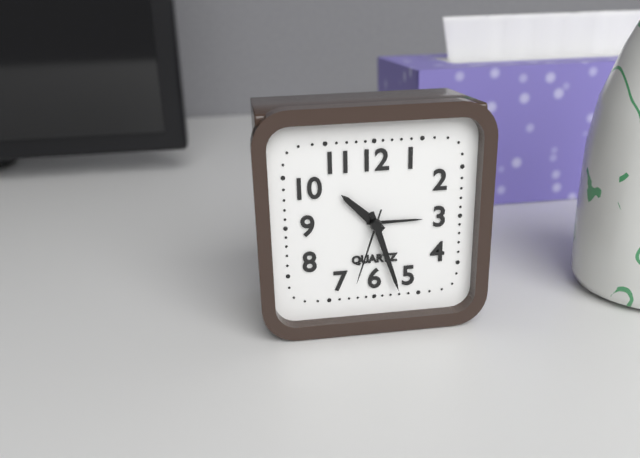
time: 10:27:33
